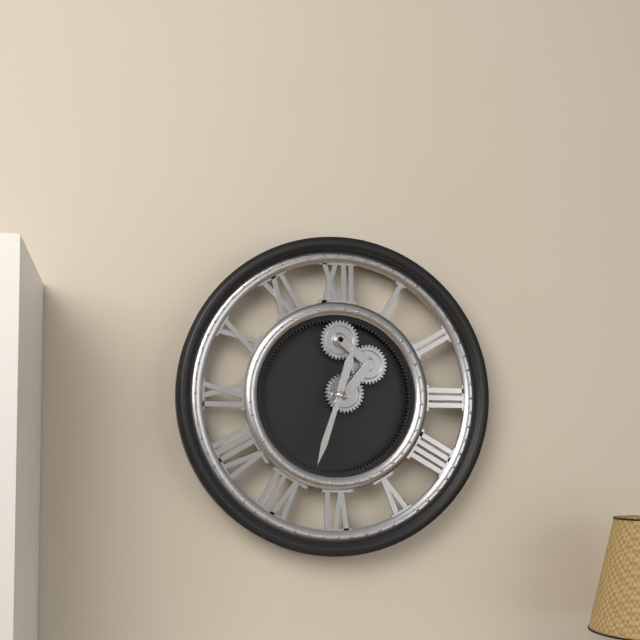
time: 12:33
